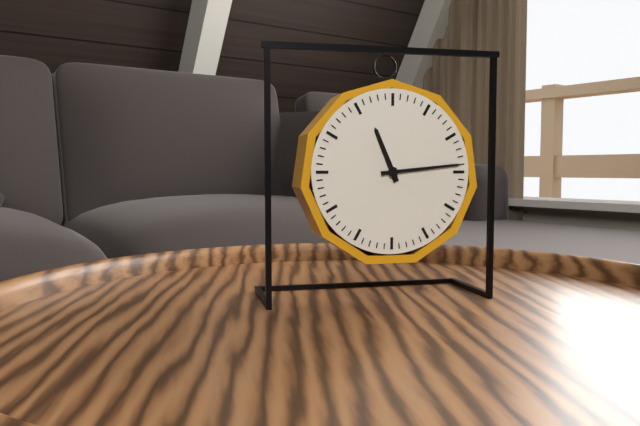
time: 11:14
